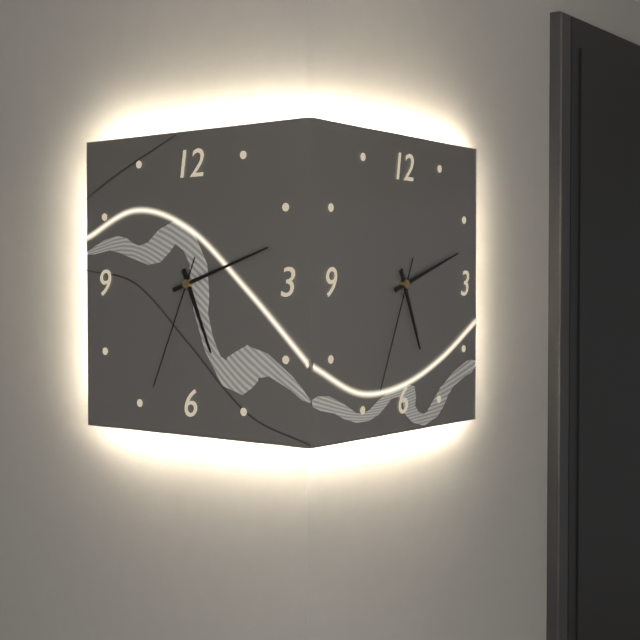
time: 5:12:34
